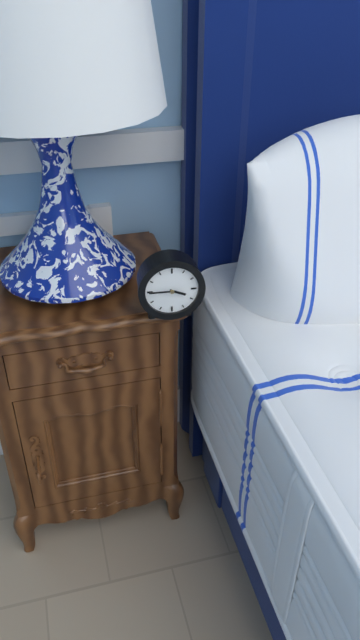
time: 3:45
